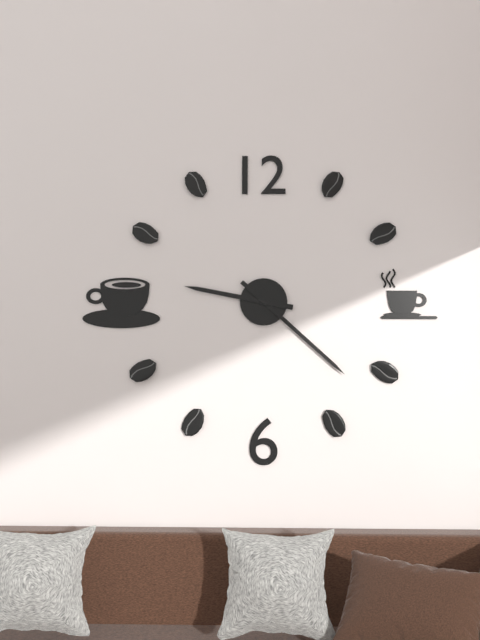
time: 9:22
